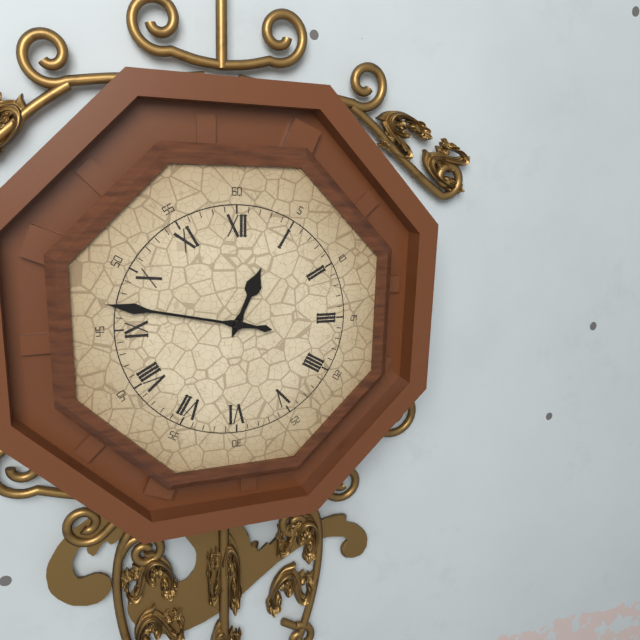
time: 12:47
